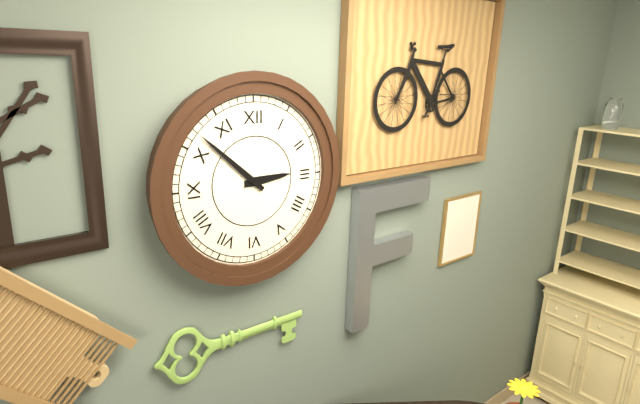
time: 2:52
